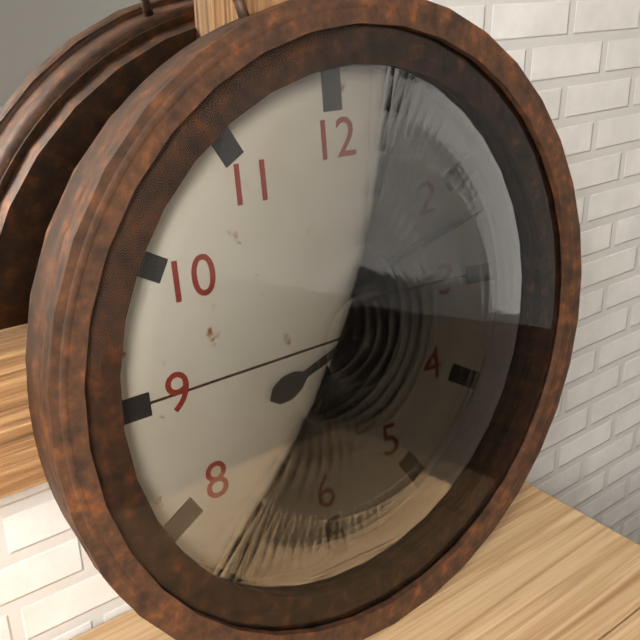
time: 1:12
